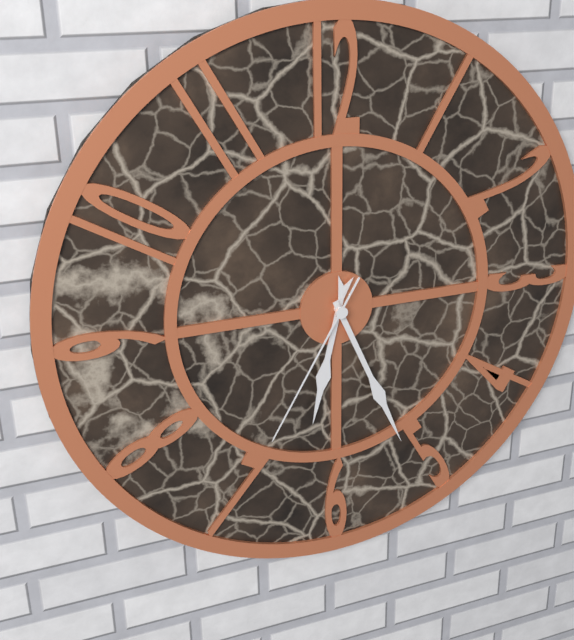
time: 6:26:35
